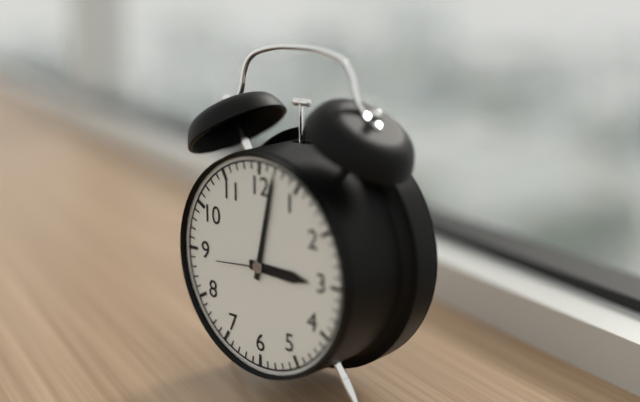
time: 3:02:44
